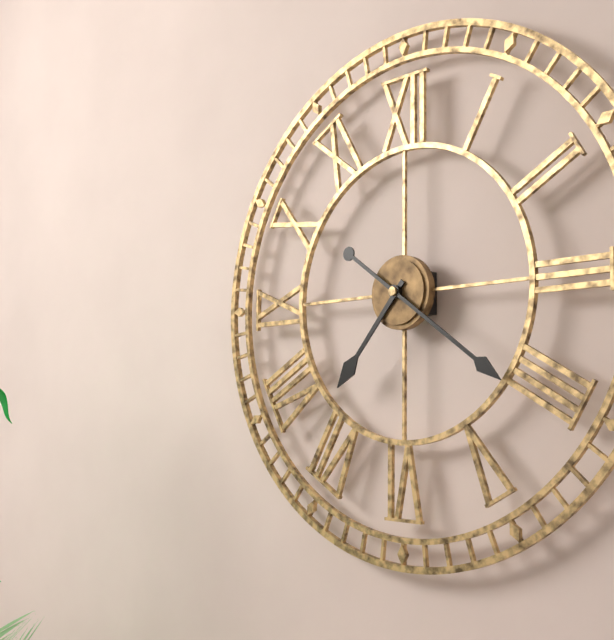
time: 7:21
